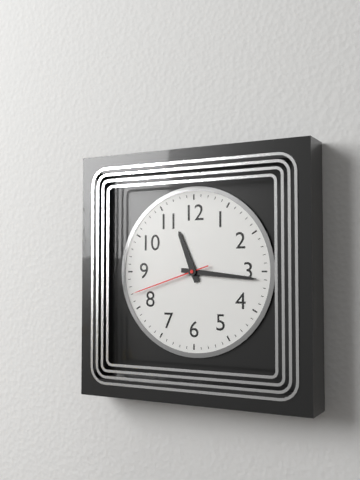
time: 11:16:42
